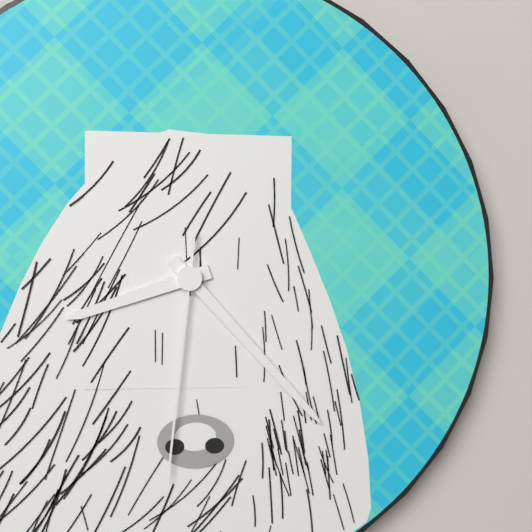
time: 8:23:31
